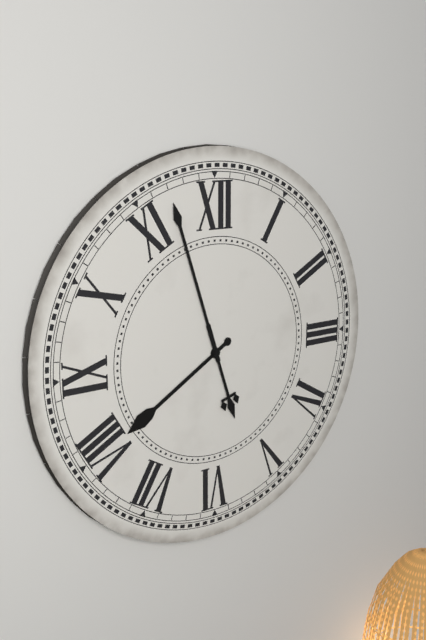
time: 7:57
